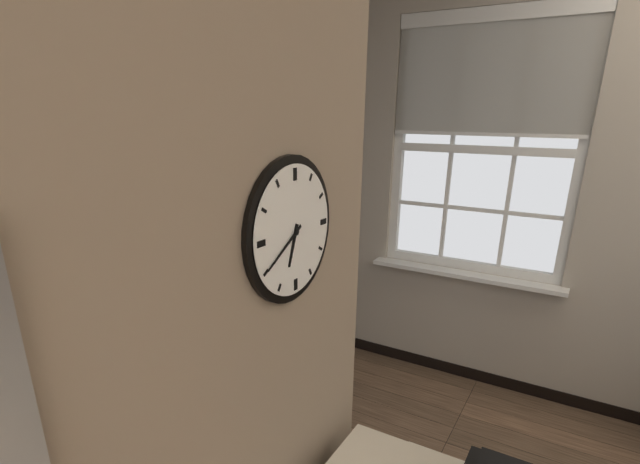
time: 6:40
